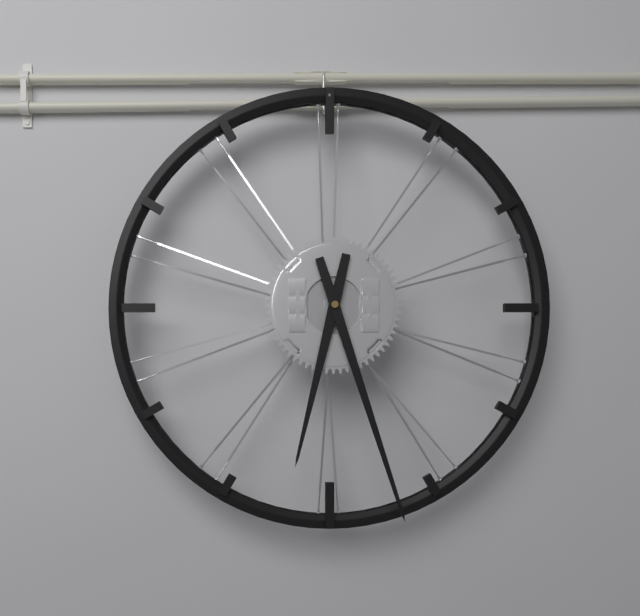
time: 6:27
